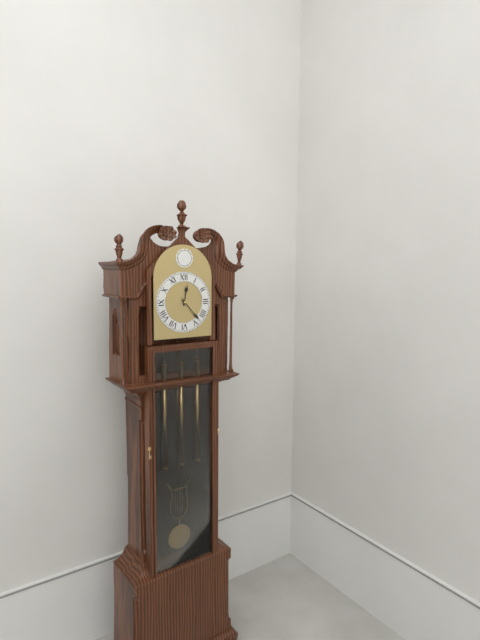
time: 12:23
